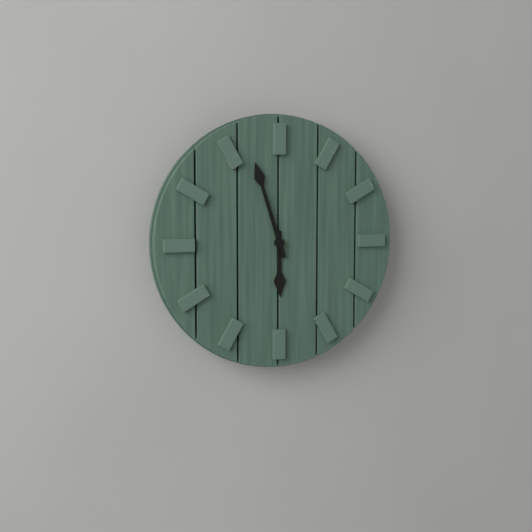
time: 5:57
